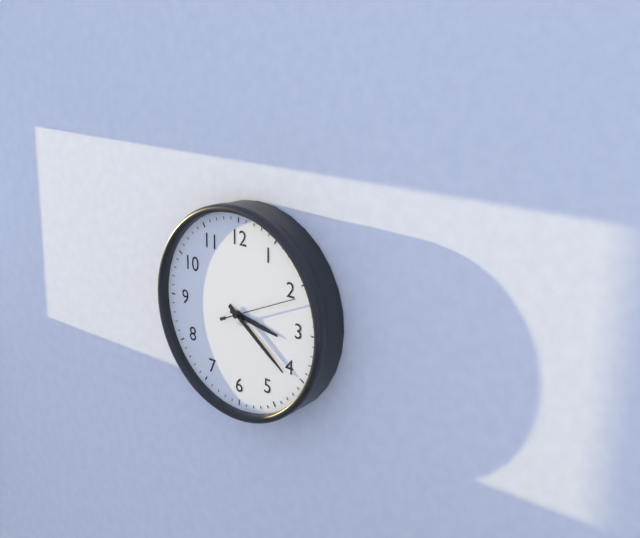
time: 3:21
